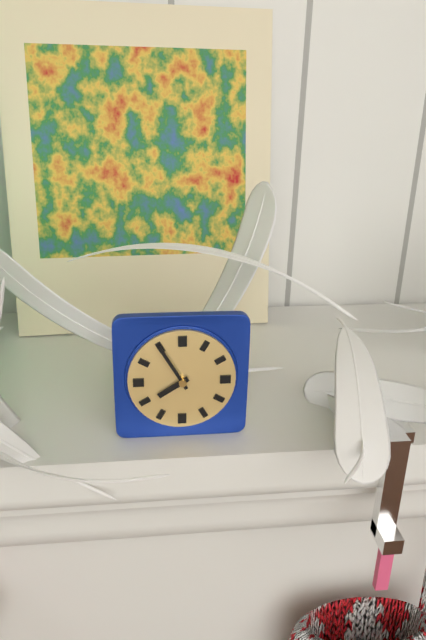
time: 7:55
